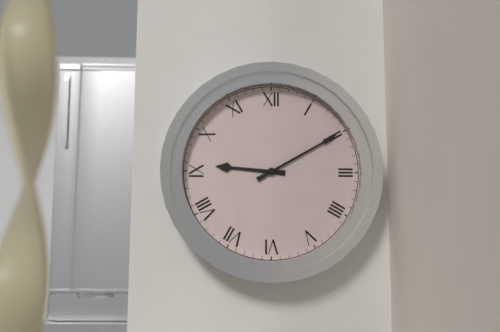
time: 9:10
